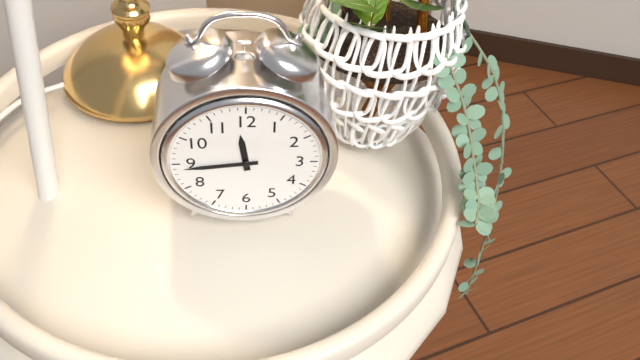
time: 11:44
